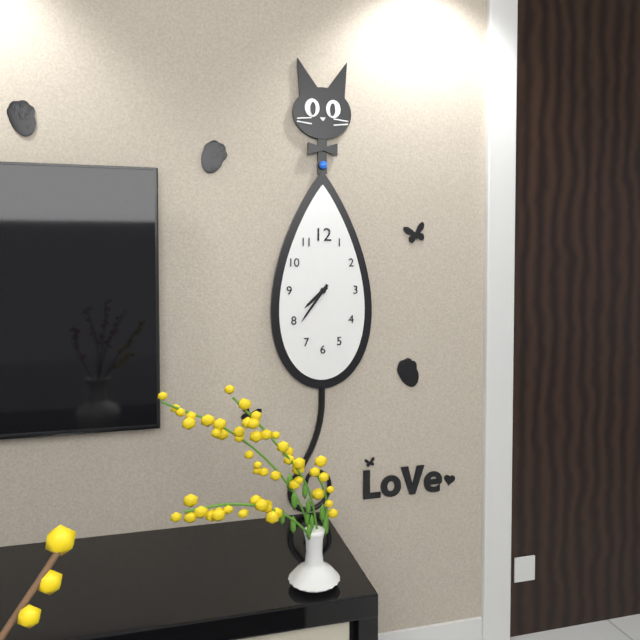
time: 7:36
